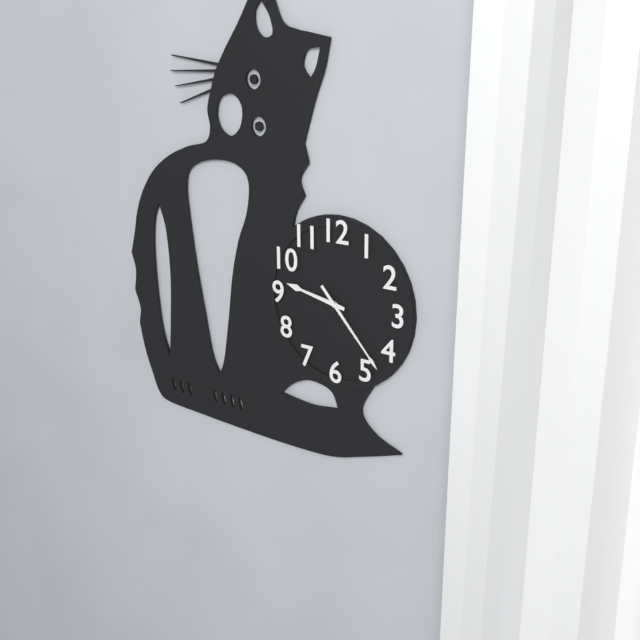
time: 9:23
